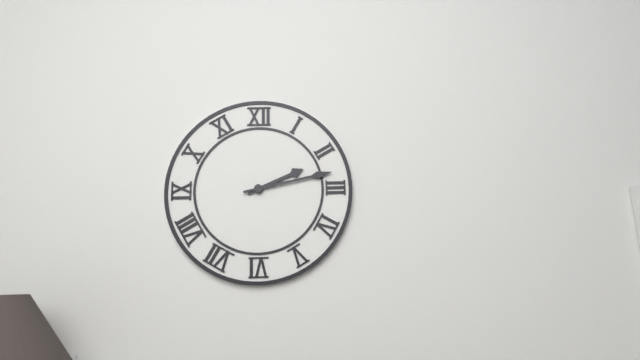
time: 2:13
